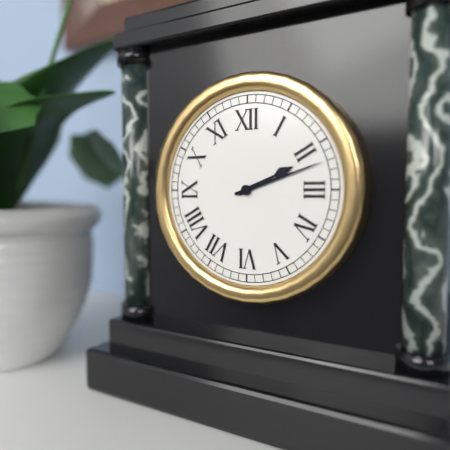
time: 2:12
